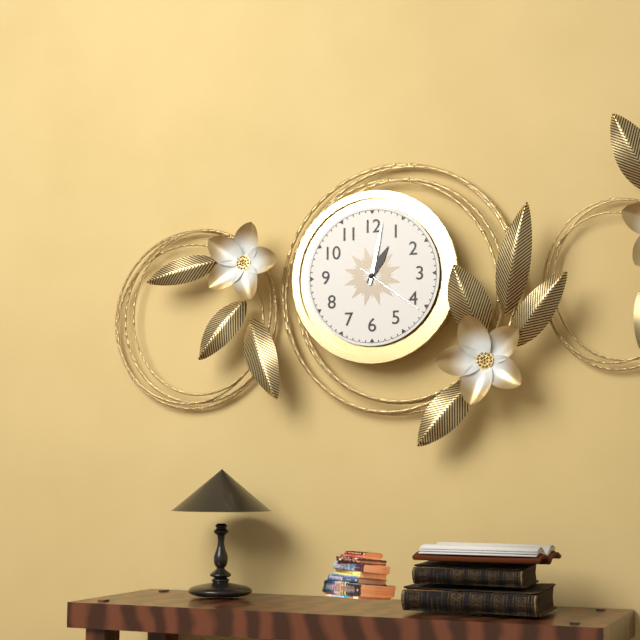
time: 1:02:21
